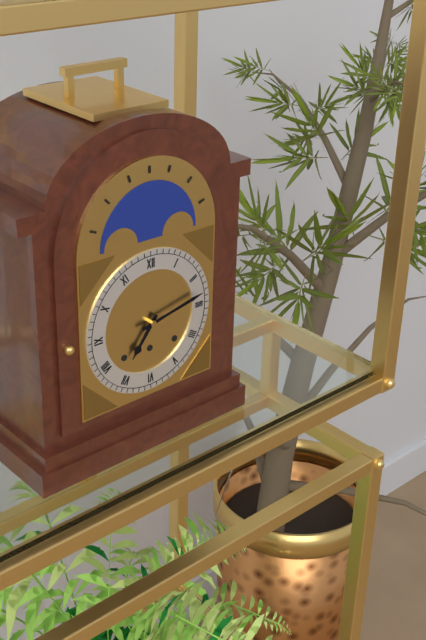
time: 7:13
